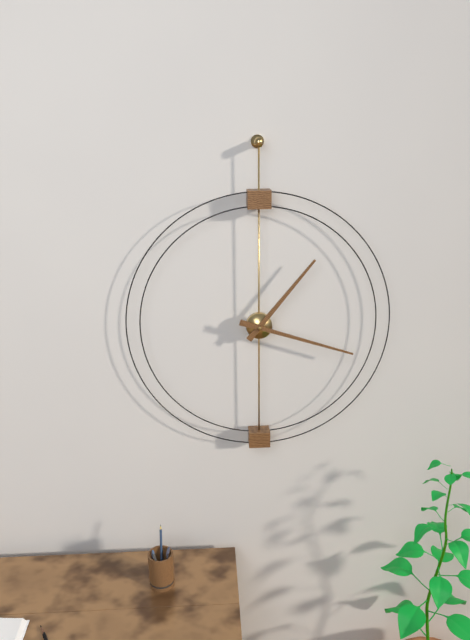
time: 1:18
